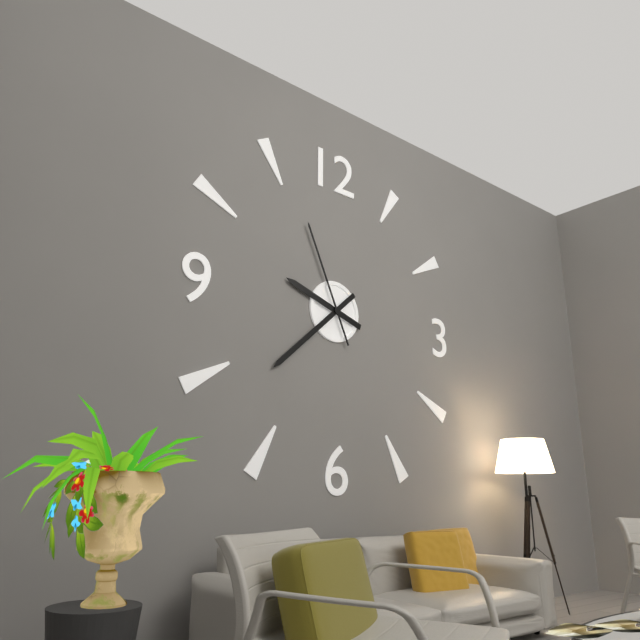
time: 9:38:56
